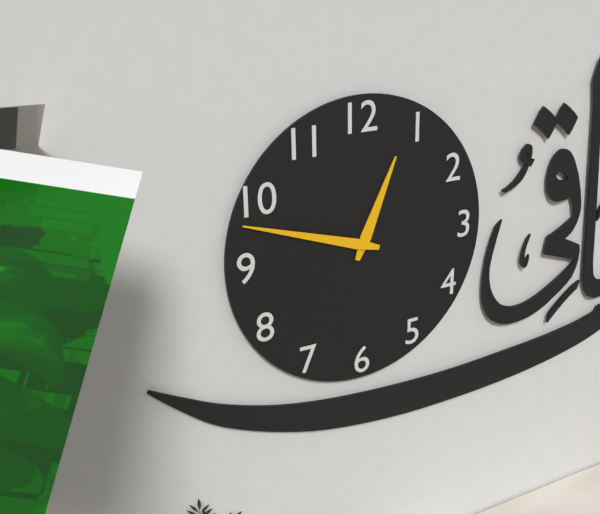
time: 12:48
